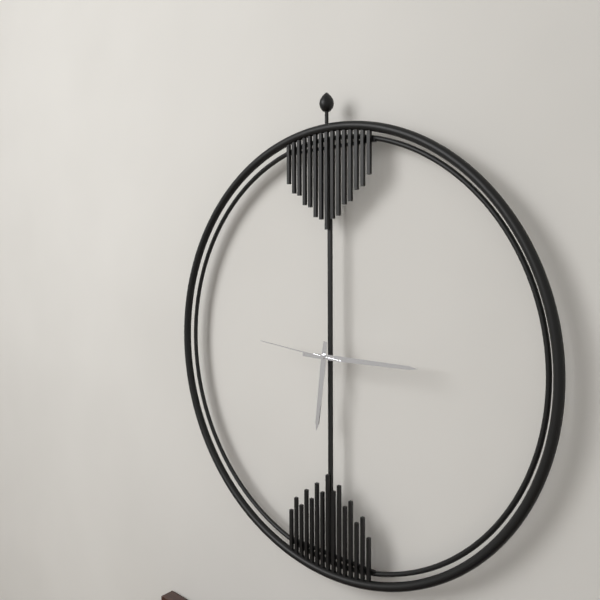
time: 6:15:46
